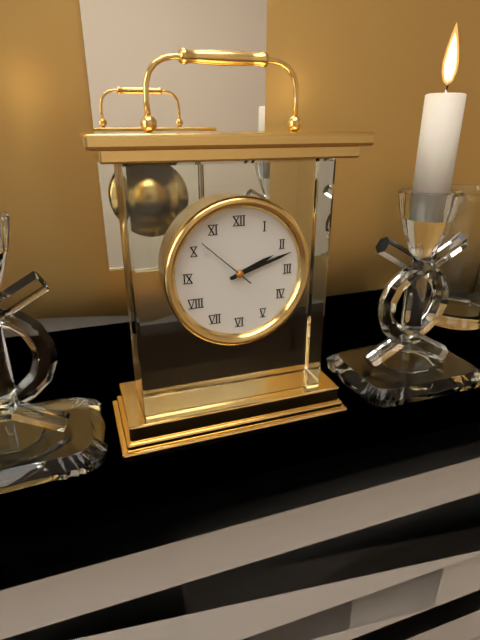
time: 2:12:52
